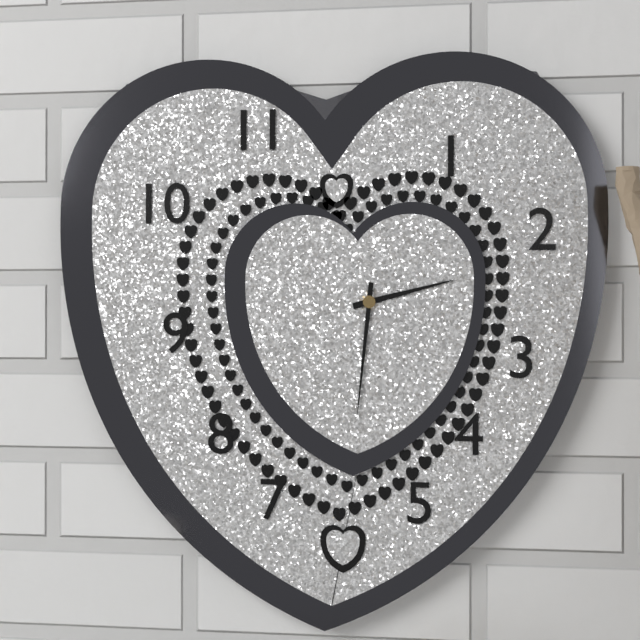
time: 2:31
